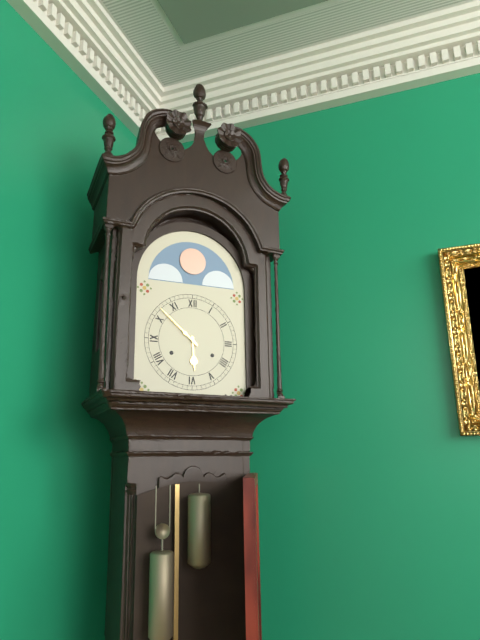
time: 5:52
